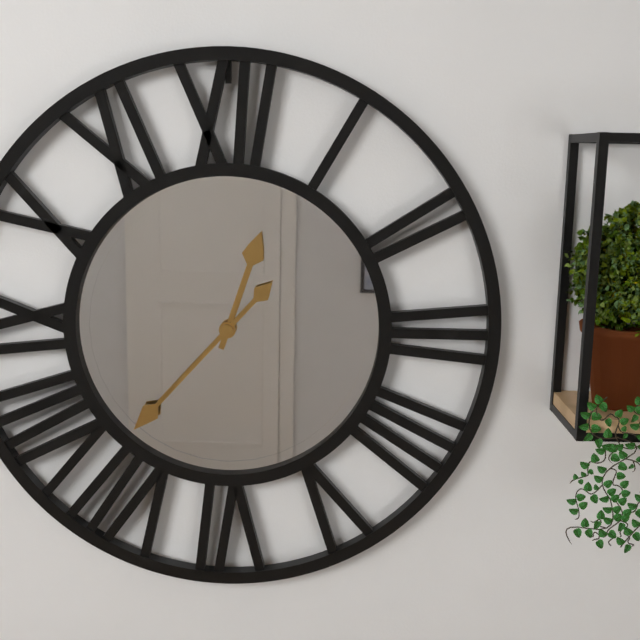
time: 12:37
